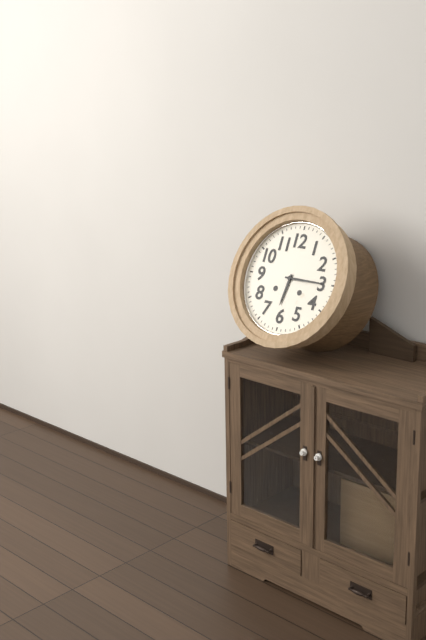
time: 6:15
